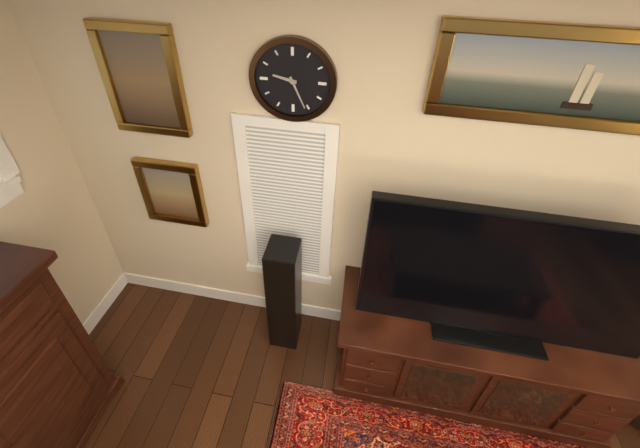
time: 9:26
